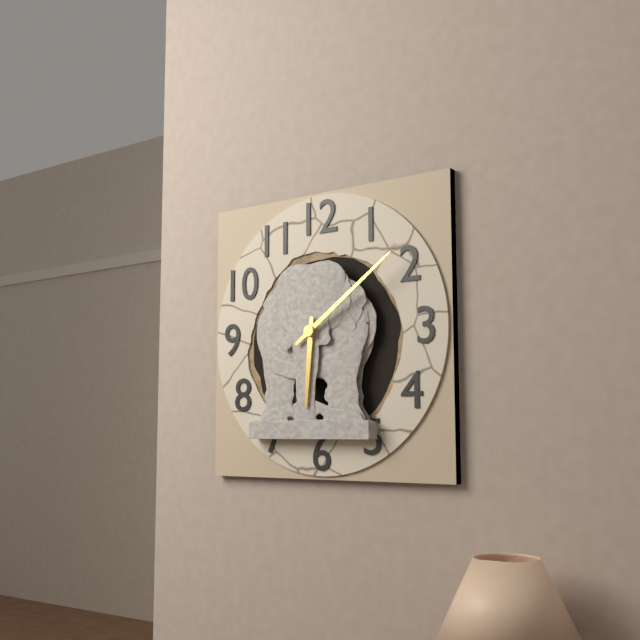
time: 6:09
